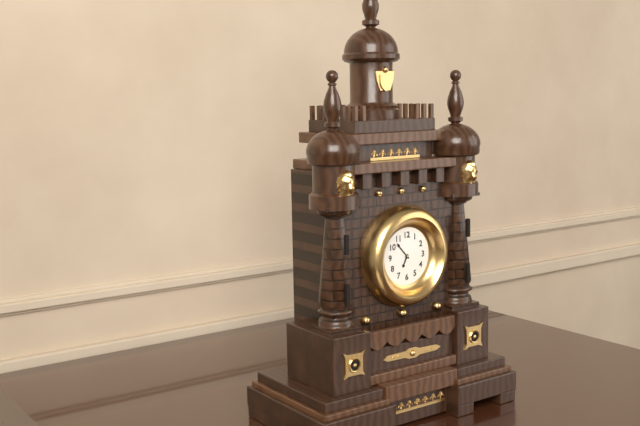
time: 6:53
